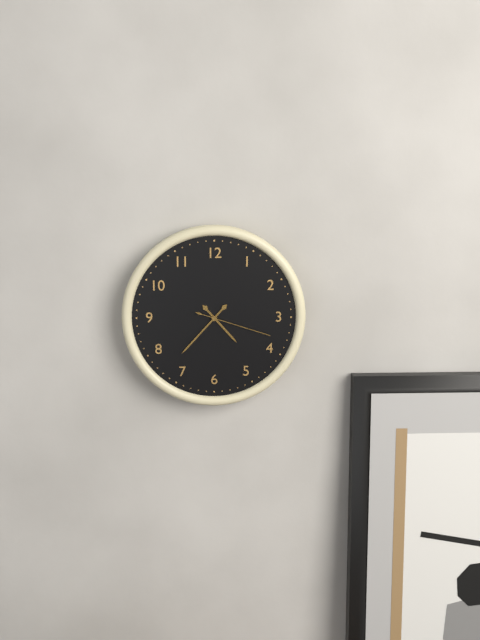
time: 4:37:18
